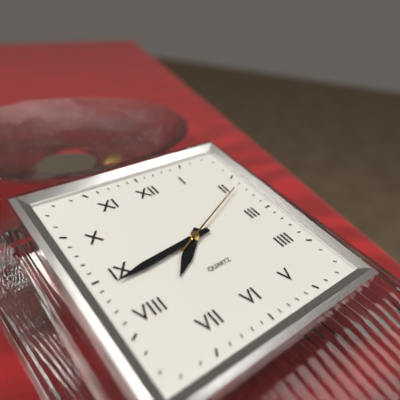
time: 7:44:11
